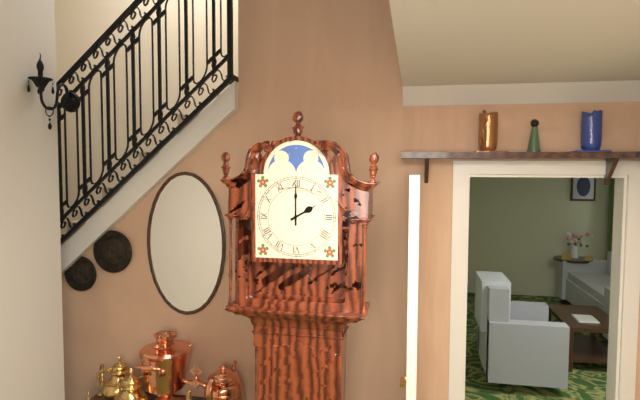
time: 2:00
